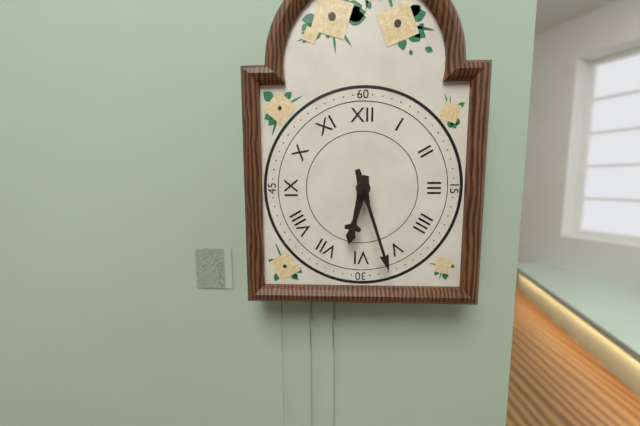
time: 6:27
